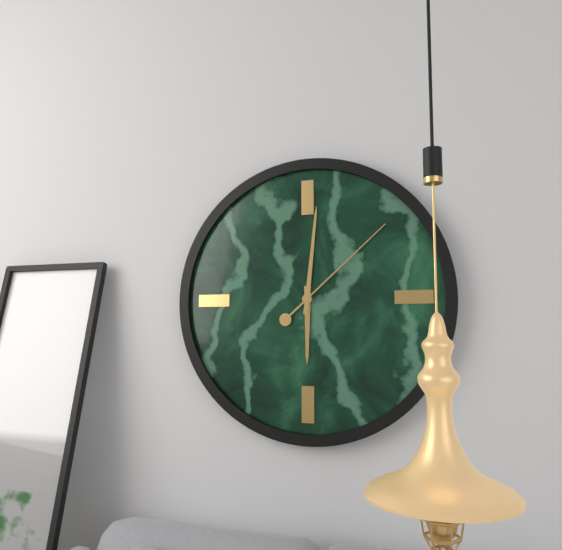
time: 6:01:08
